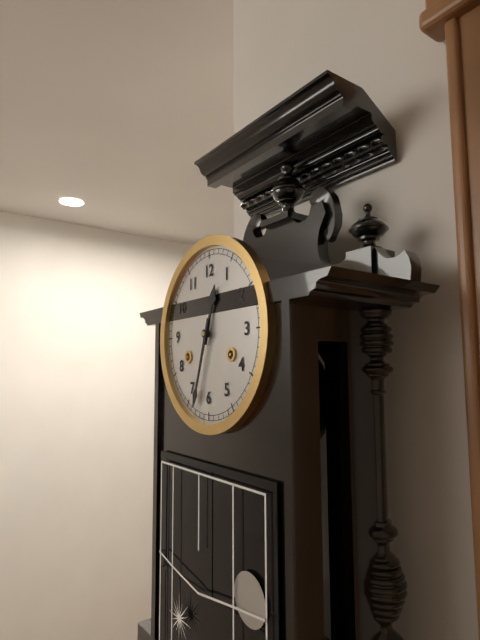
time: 12:33
